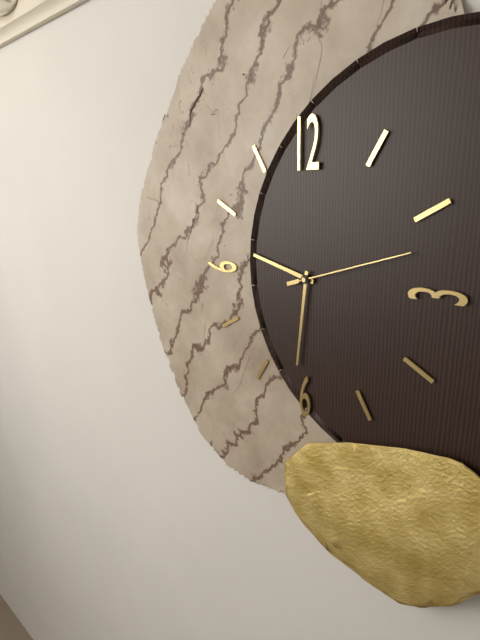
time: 9:31:12
